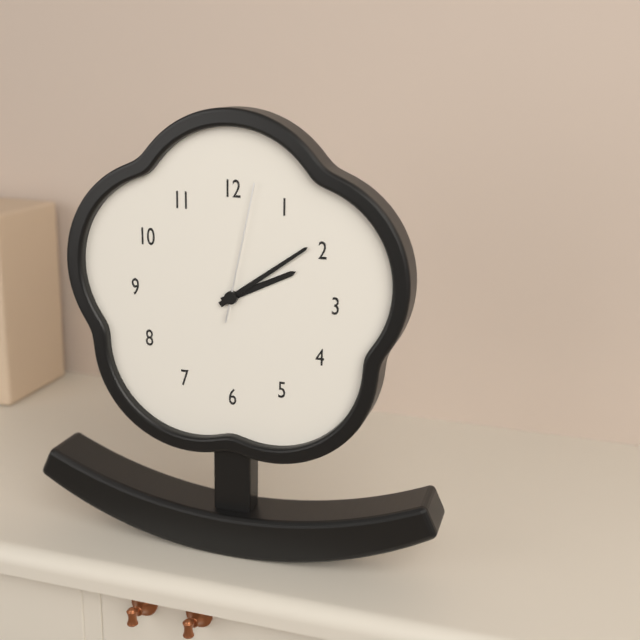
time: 2:09:02
